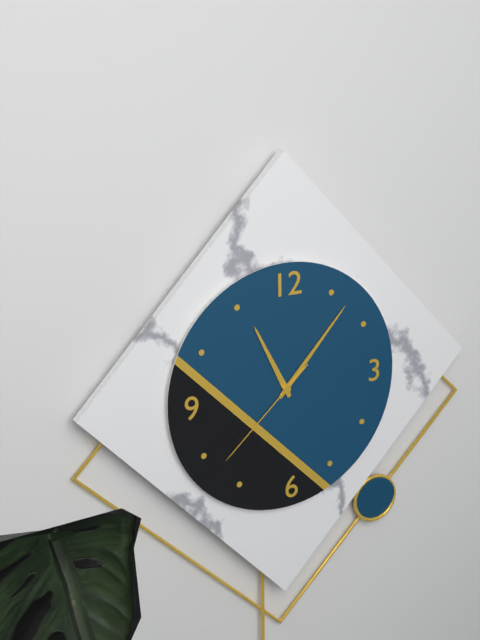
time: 11:07:38
